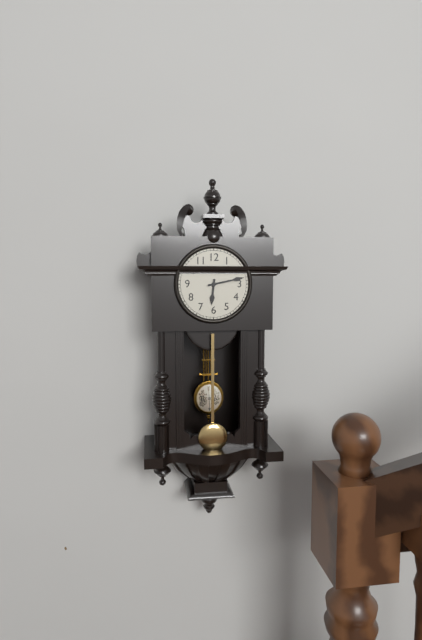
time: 6:13
